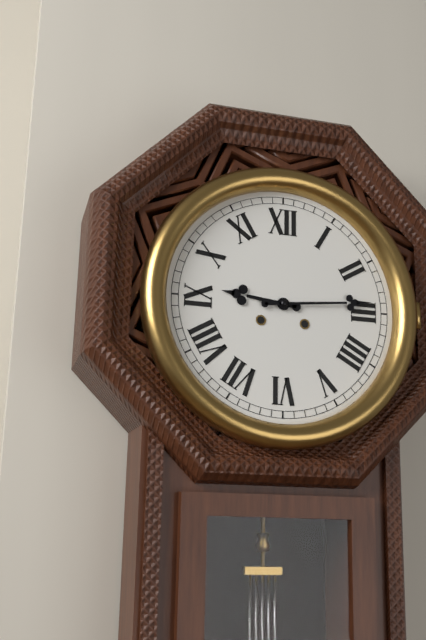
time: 9:14
